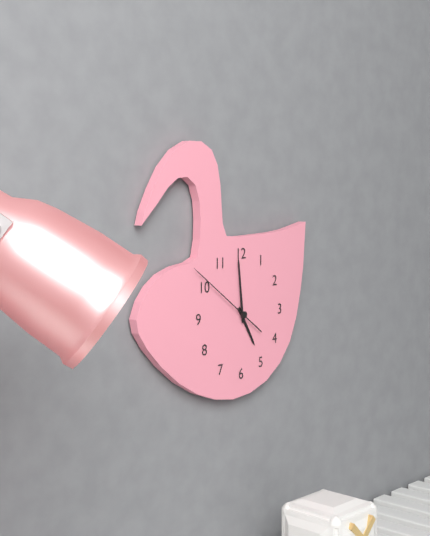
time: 4:59:51
